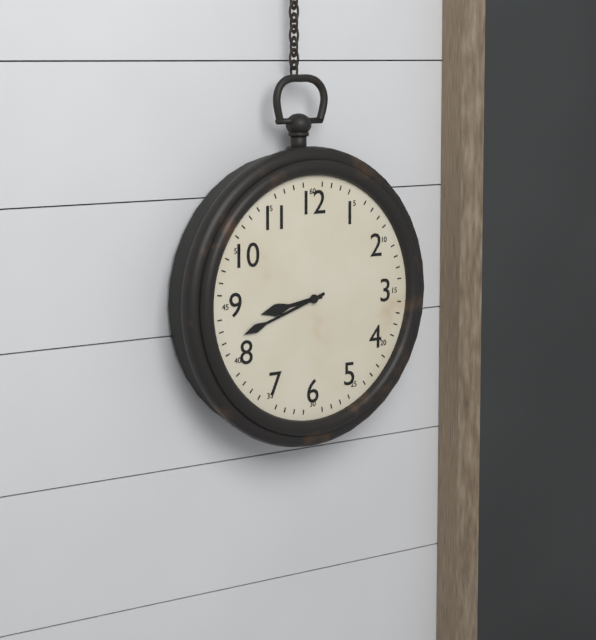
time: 8:42
